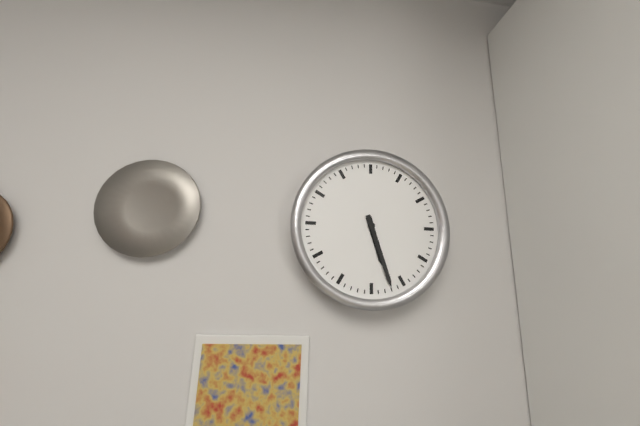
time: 5:27
